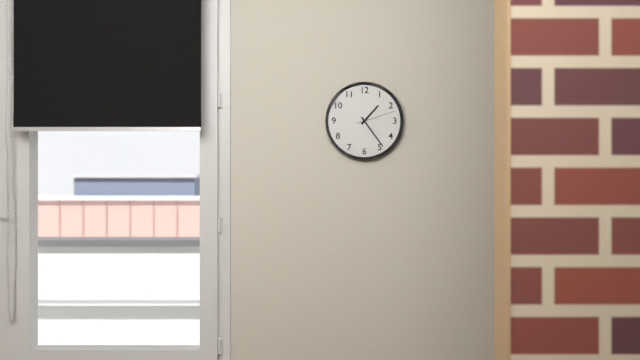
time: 1:24
